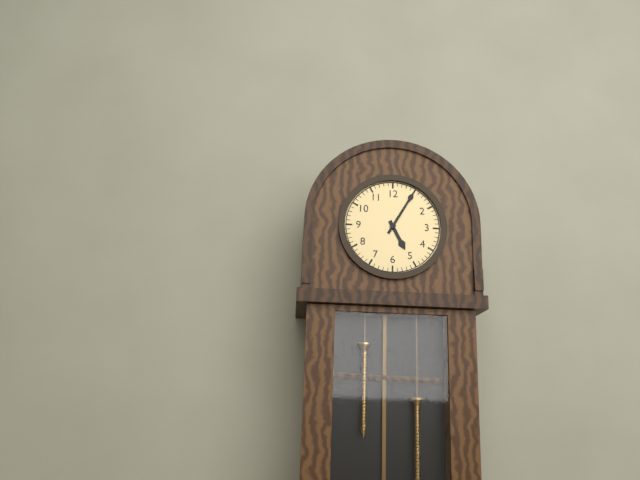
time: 5:05
